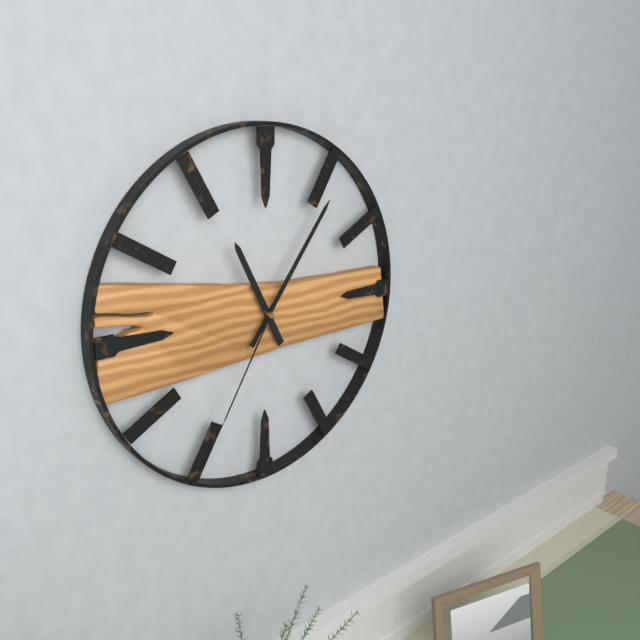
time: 11:06:35
